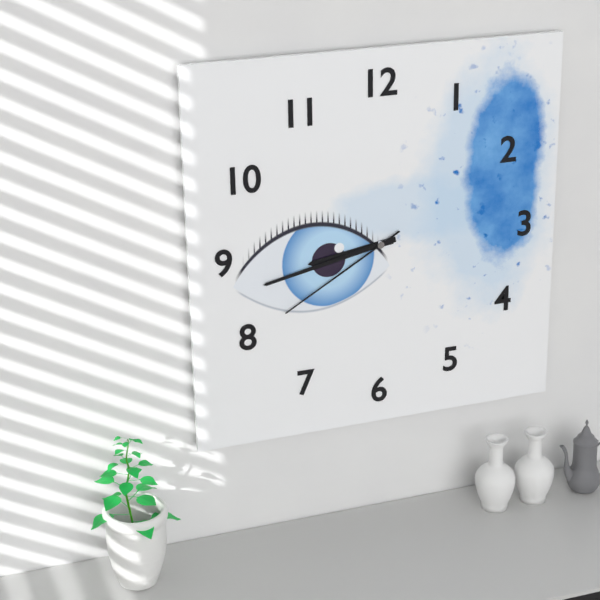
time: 8:43:40
